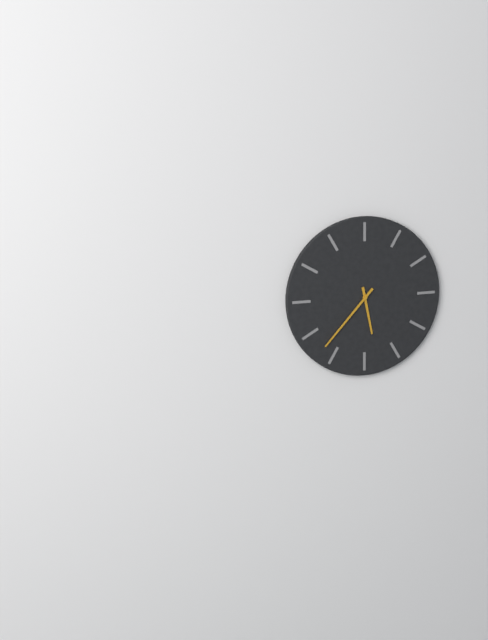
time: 5:37
